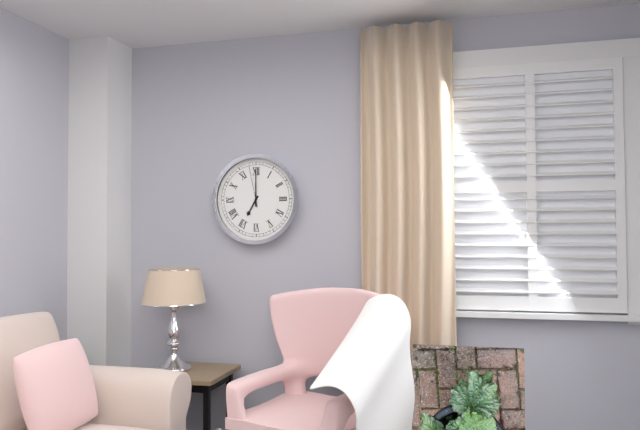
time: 7:00
